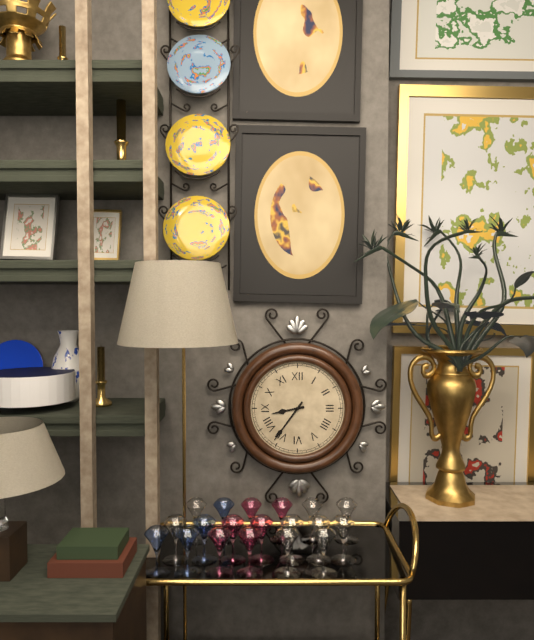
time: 8:36
